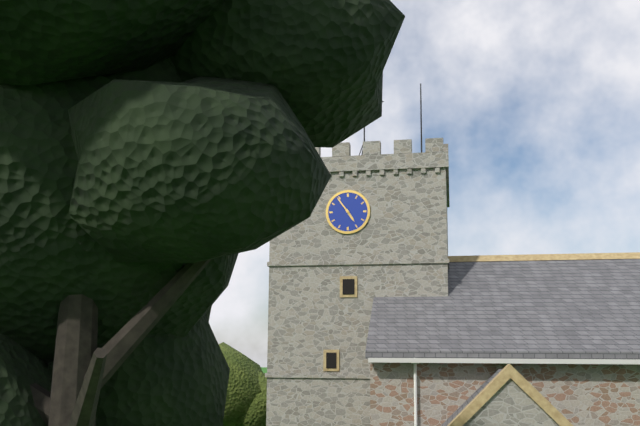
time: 4:54
